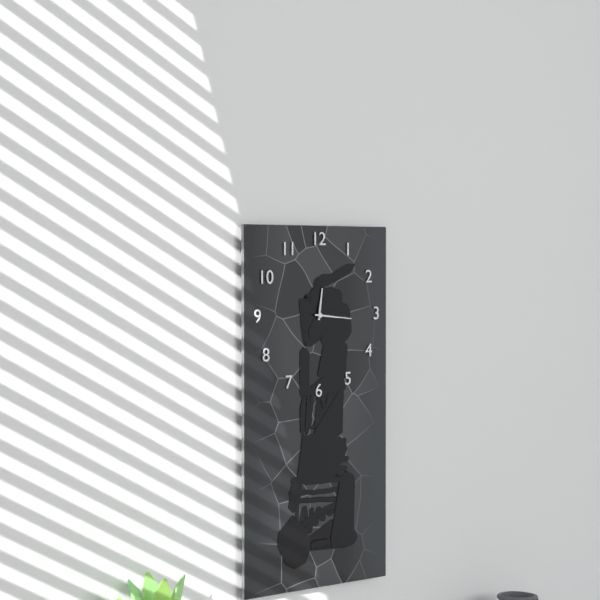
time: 12:16
